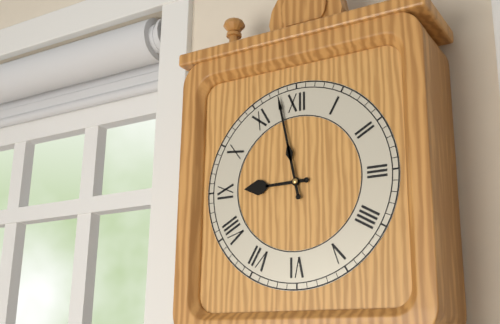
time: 8:58
